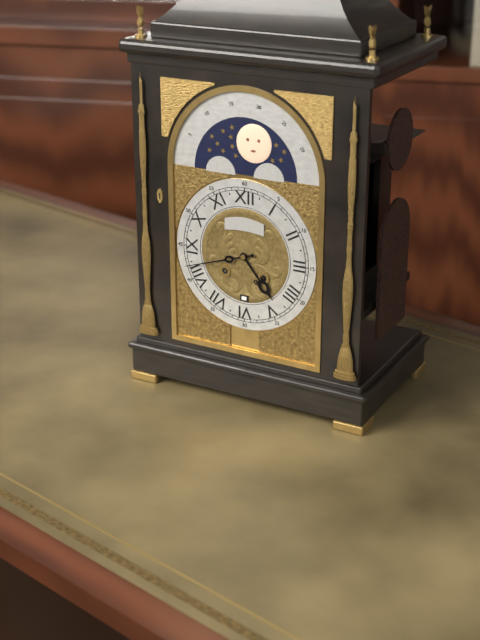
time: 4:42
